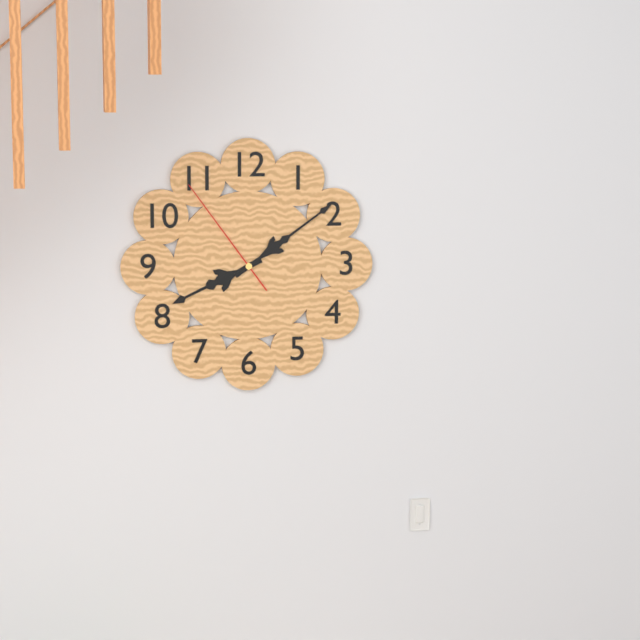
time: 8:09:54
